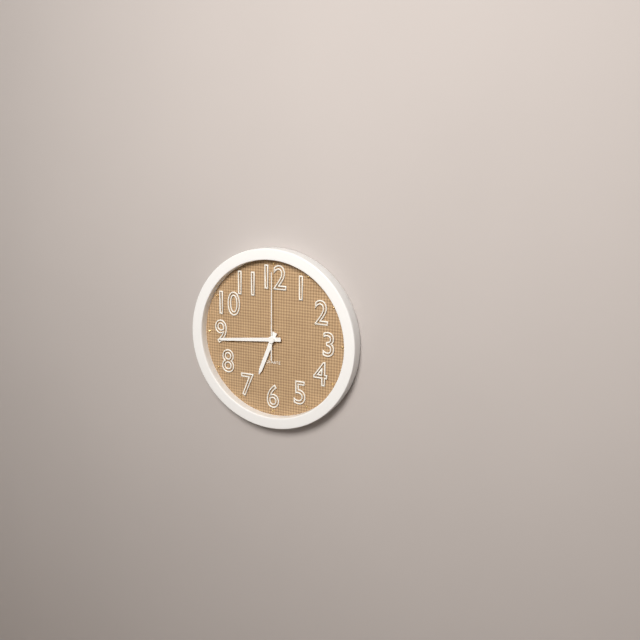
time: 6:44:00
